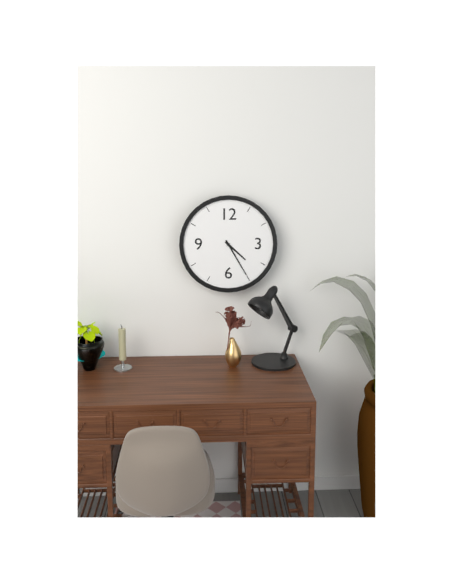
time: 4:25
